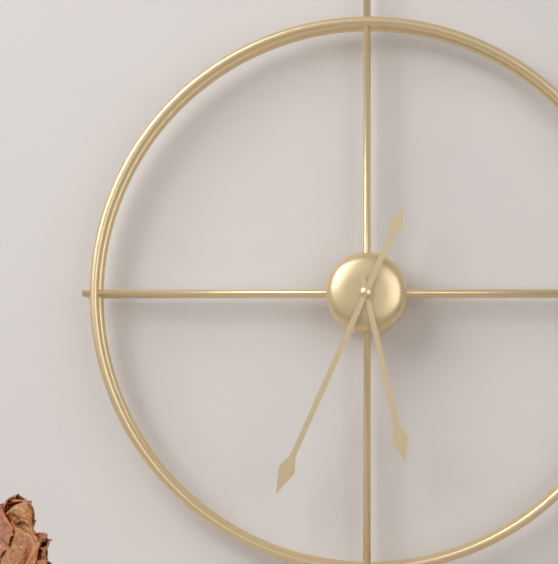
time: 5:34
